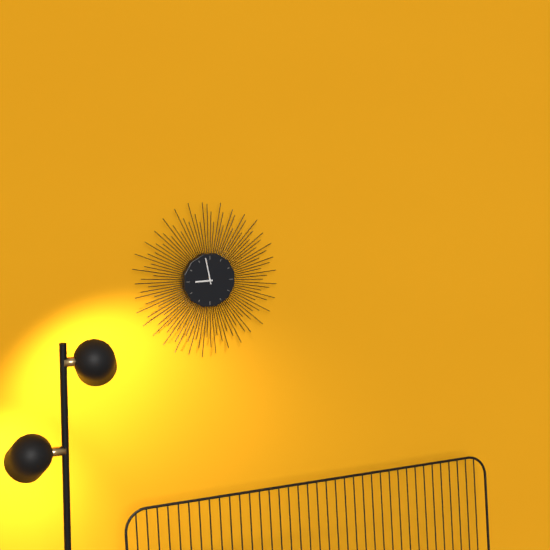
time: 8:58
